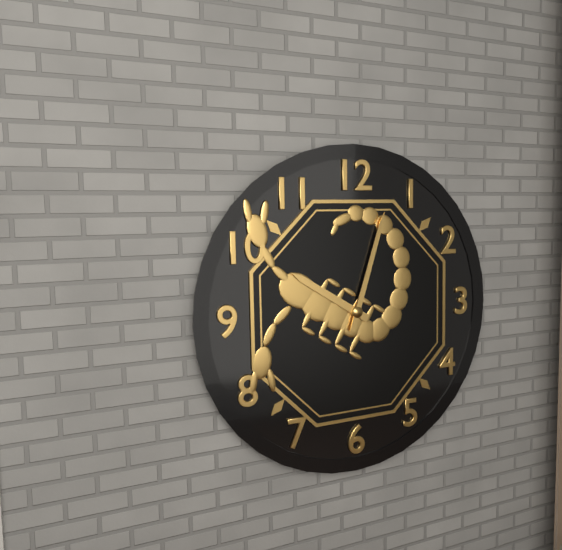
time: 10:03
